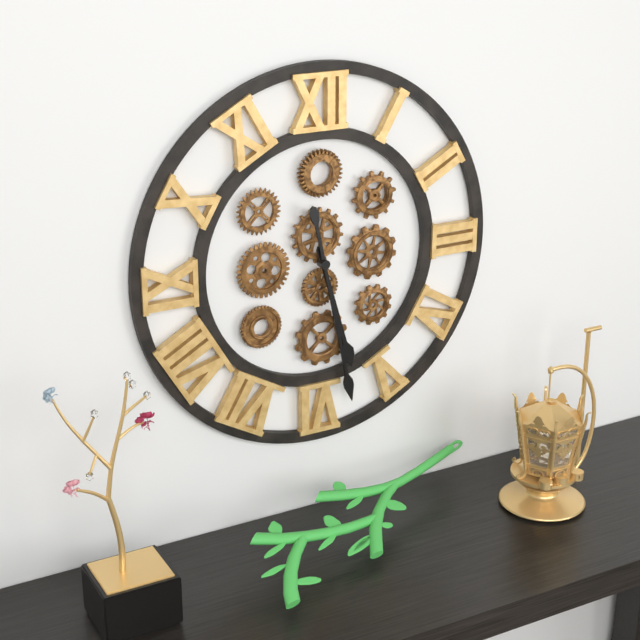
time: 5:28
